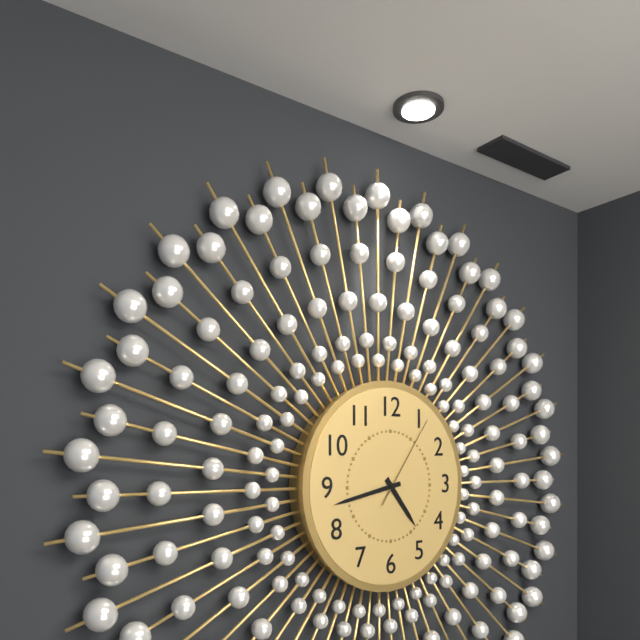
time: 4:43:06
